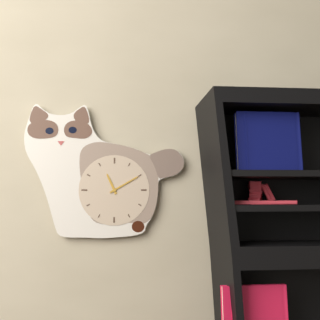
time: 11:10
